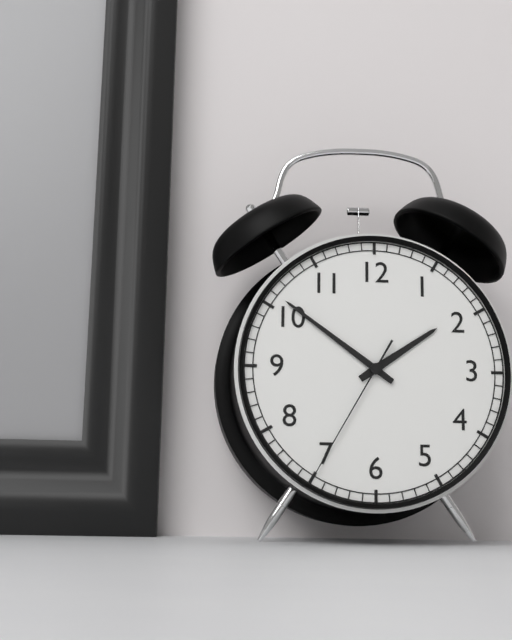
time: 1:51:35
